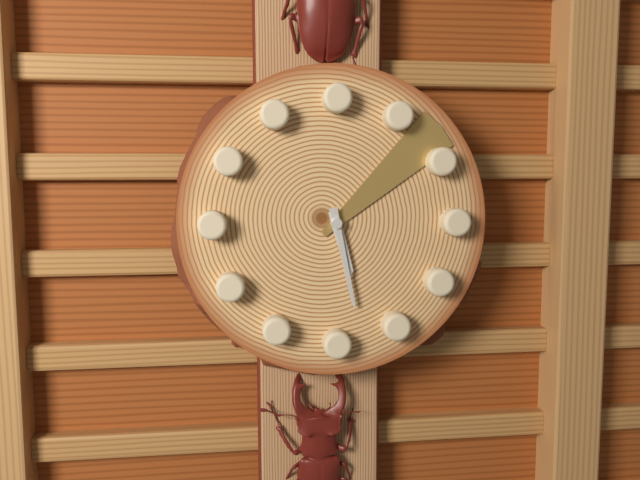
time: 5:28:08
